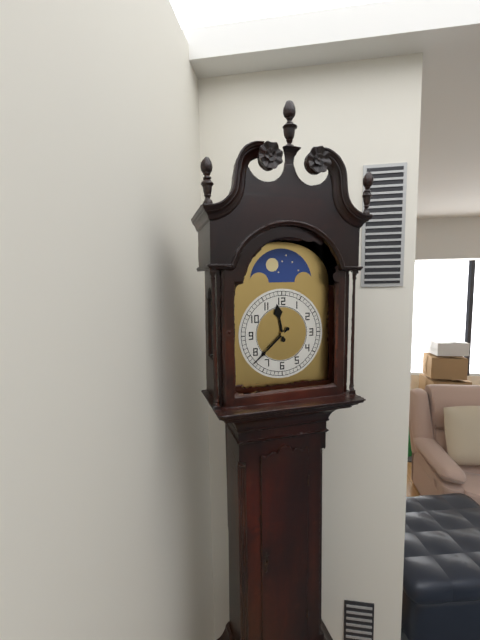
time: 11:38
